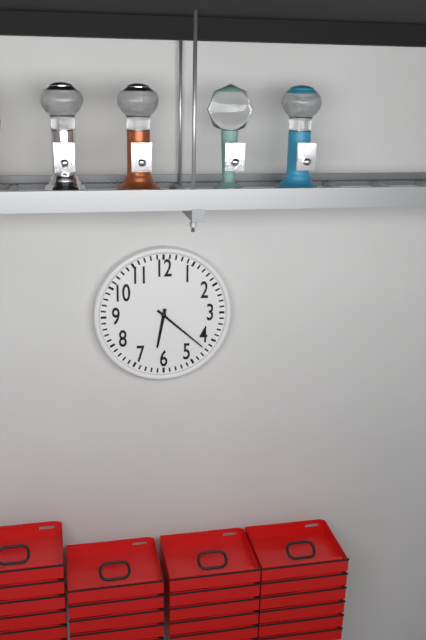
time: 6:22
